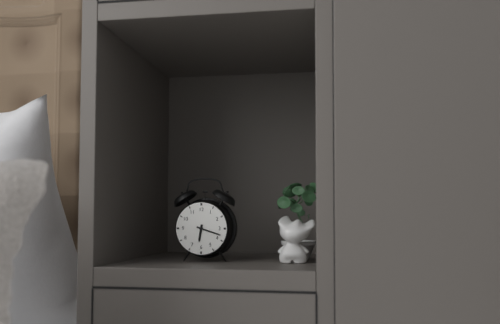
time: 6:18
